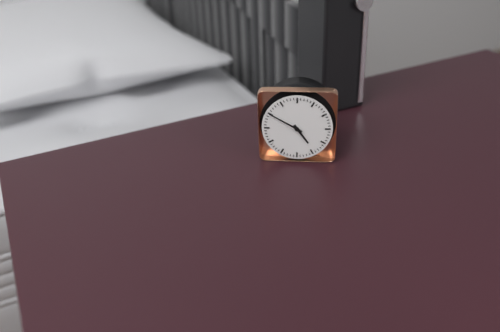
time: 4:50
